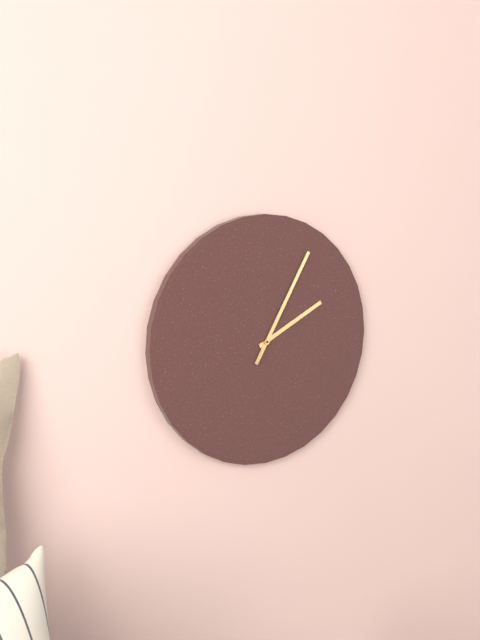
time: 2:05
